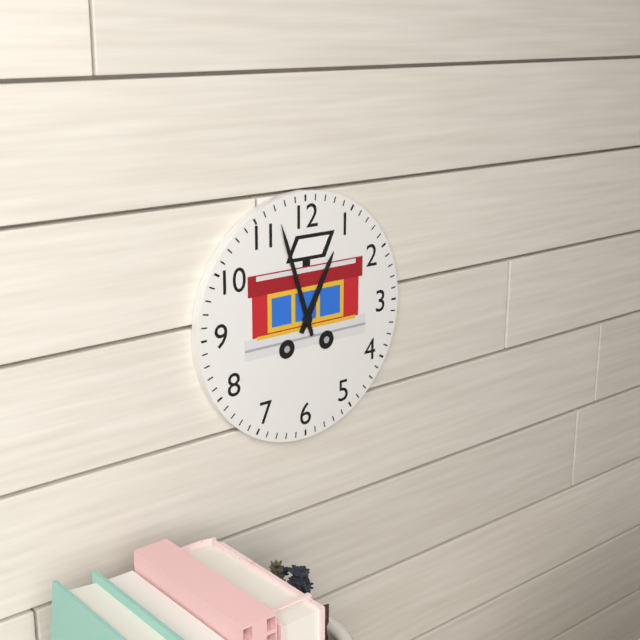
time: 12:57
